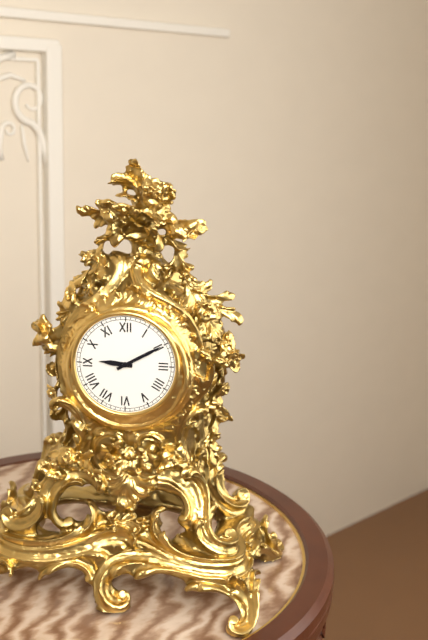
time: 9:10
